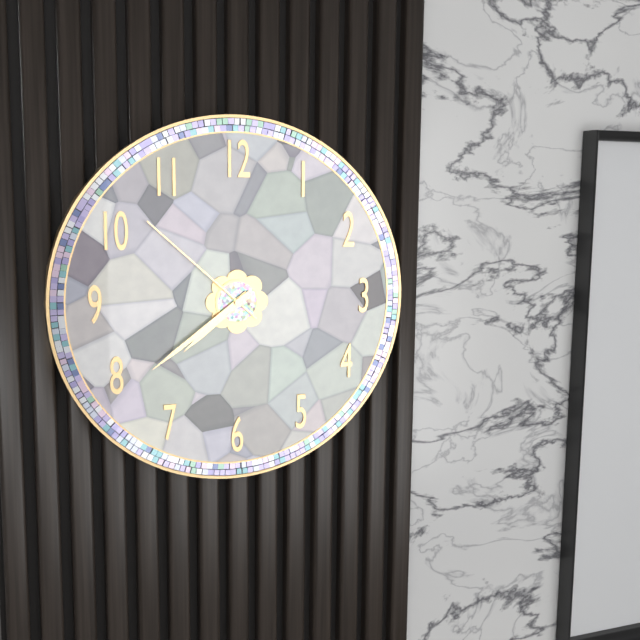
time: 7:39:52
